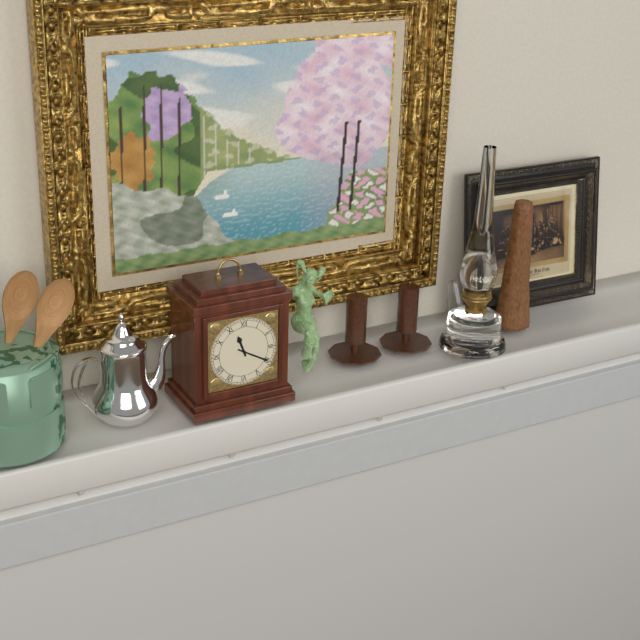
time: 11:20
